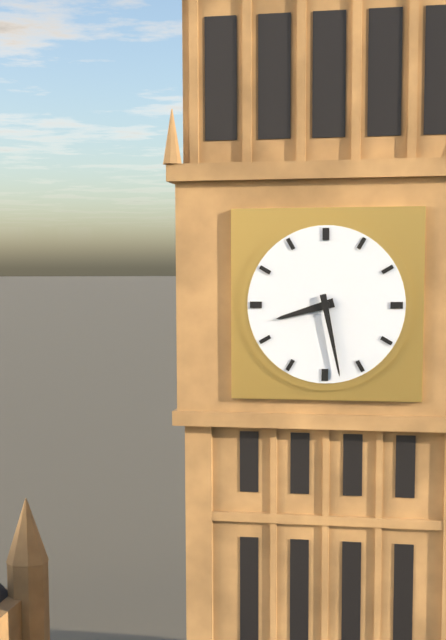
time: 8:28
